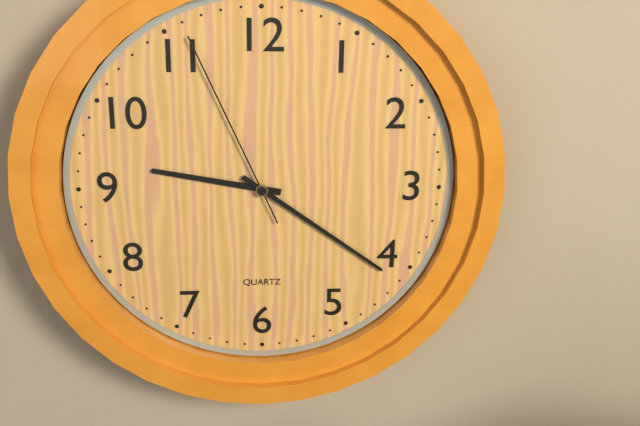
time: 9:21:56
